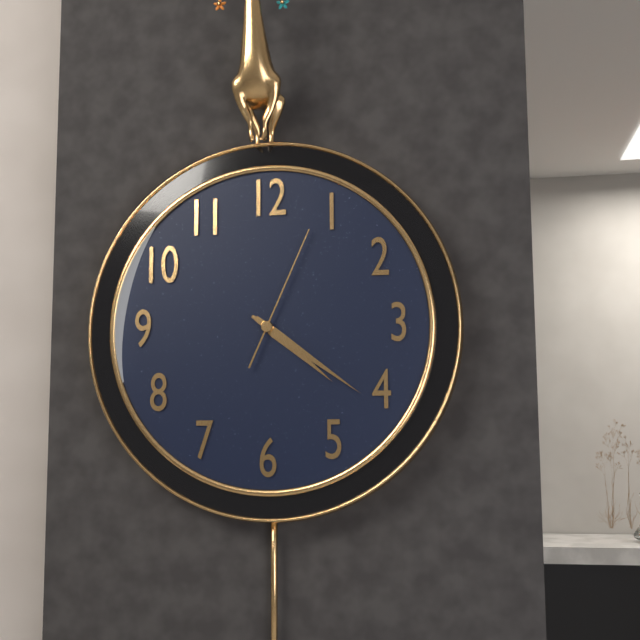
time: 4:21:04
